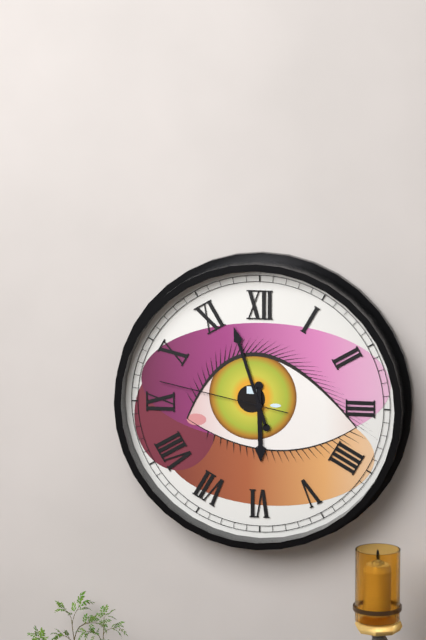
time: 5:57:47
